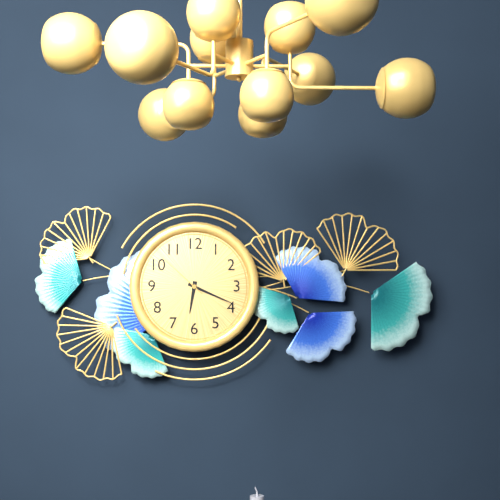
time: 6:19:52
